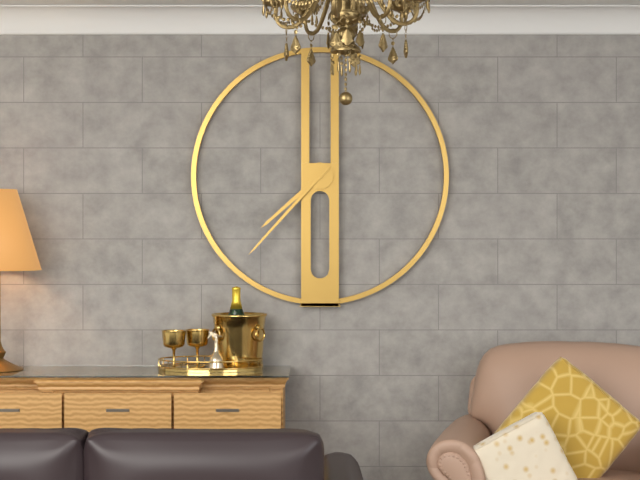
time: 7:37
